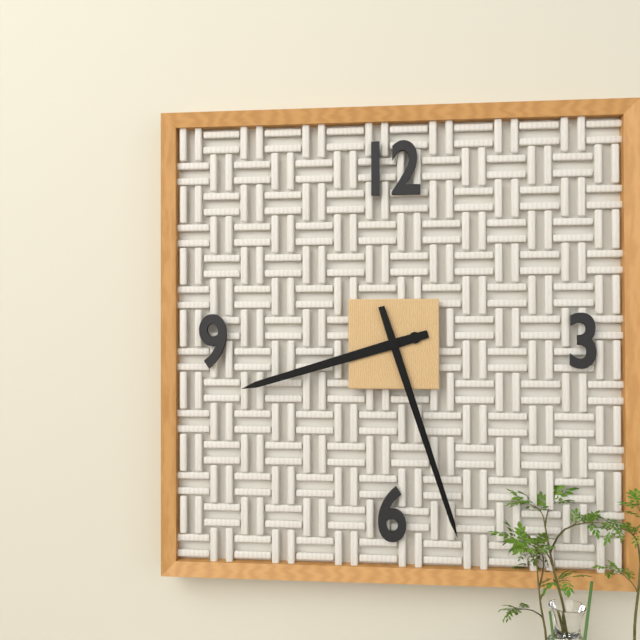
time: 8:27
